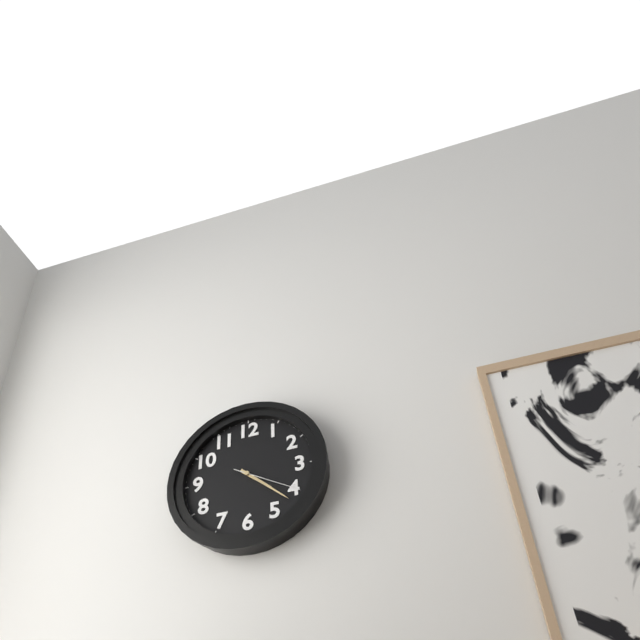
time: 4:22:20
